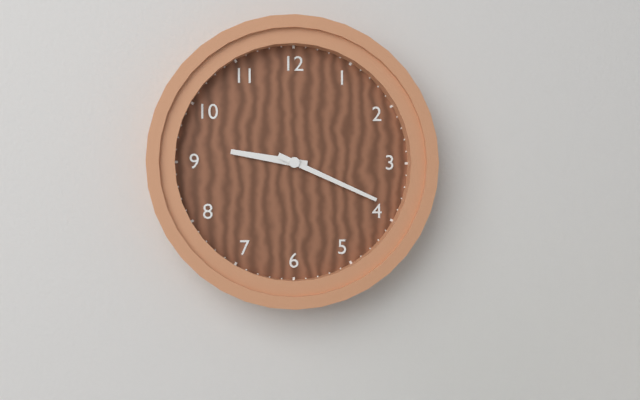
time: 9:19
